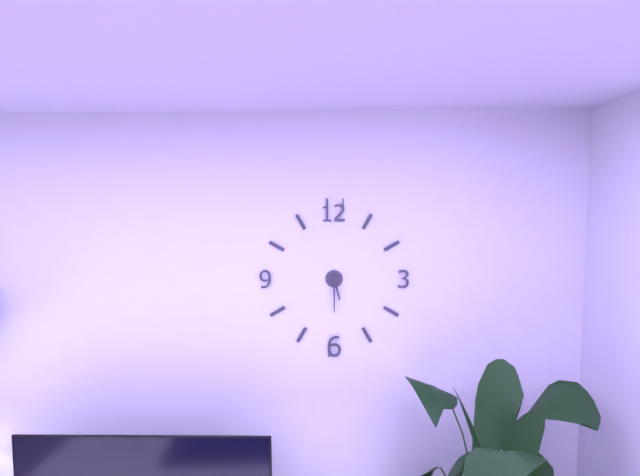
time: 5:30
